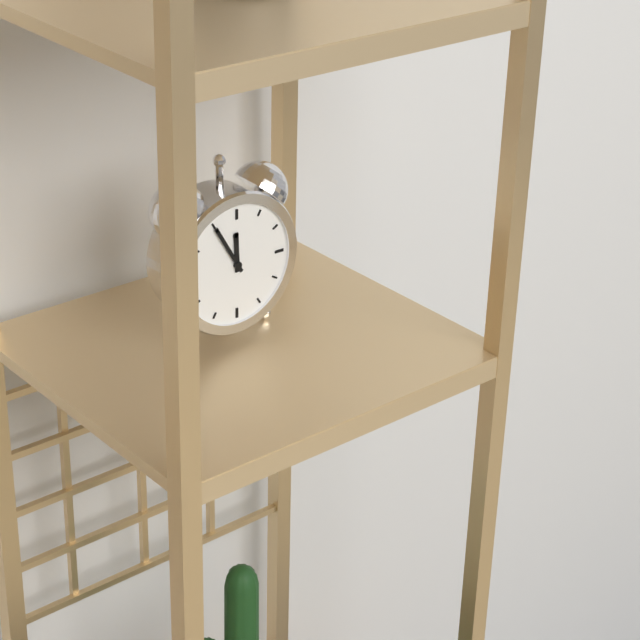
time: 11:55
